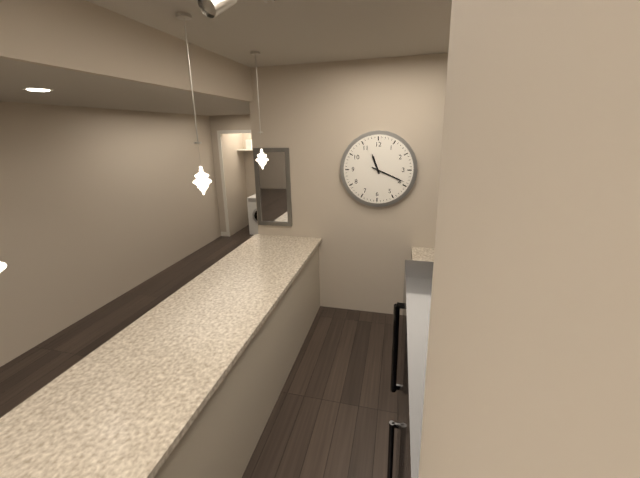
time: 11:19
